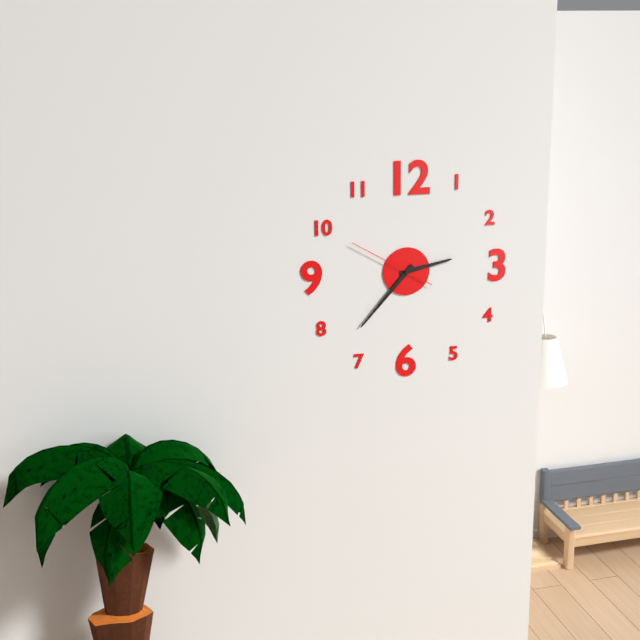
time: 2:37:50
